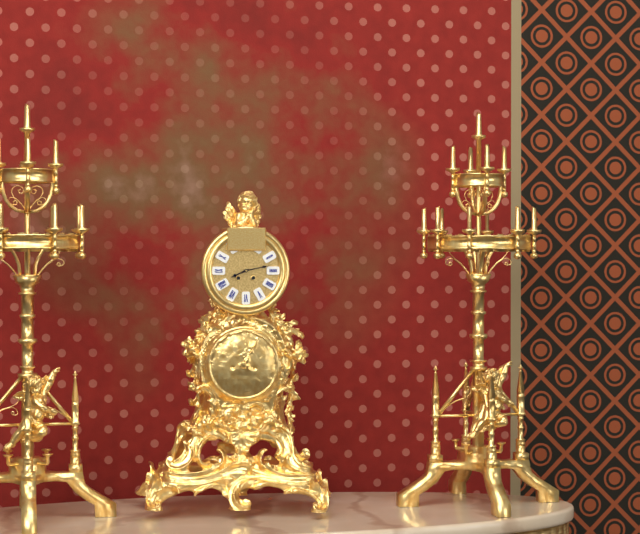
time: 8:13
